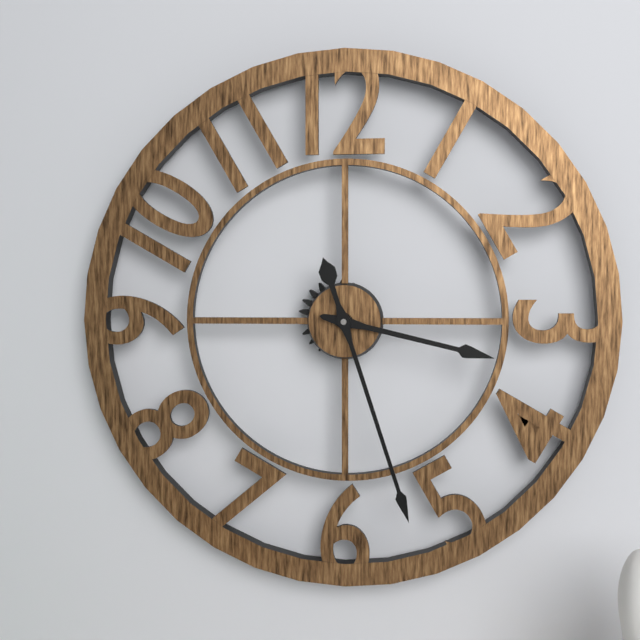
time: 3:27
